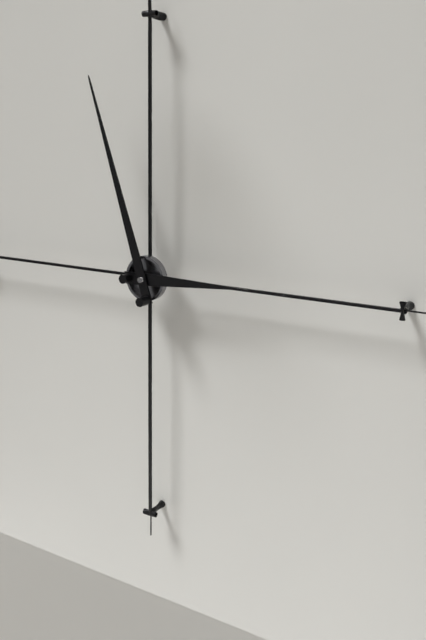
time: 2:57
